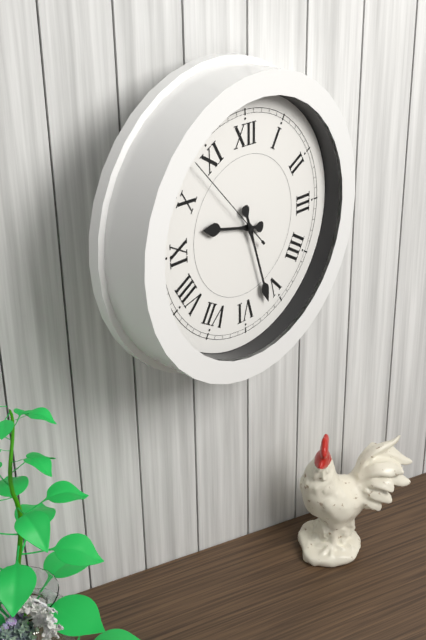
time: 9:27:53
